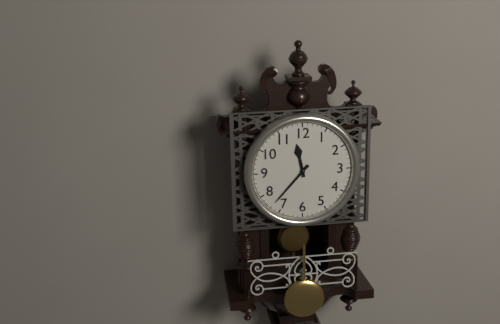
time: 11:37
